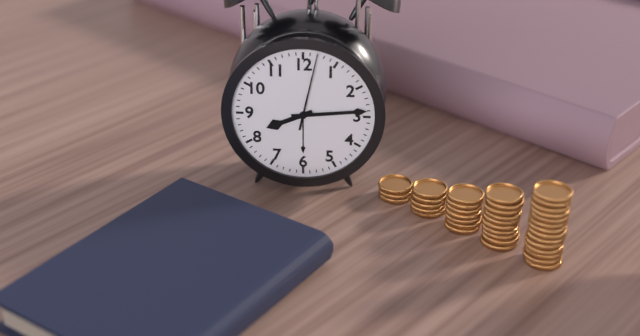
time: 8:14:02
